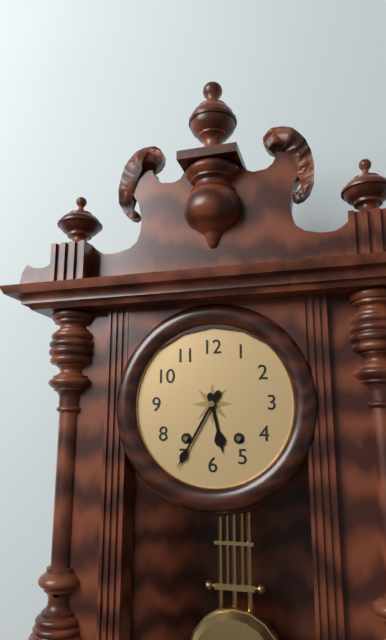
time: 5:35
